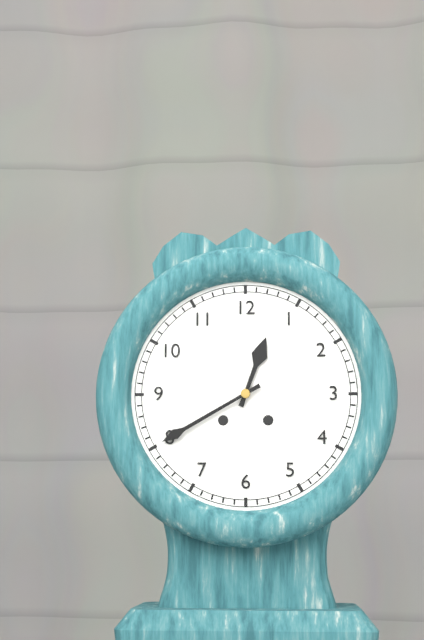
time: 12:40
